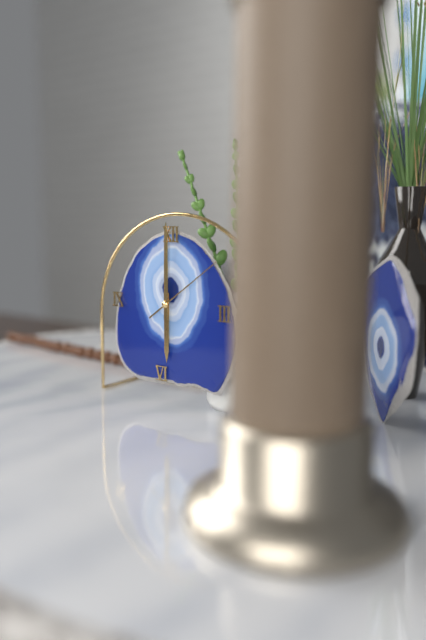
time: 6:00:09
